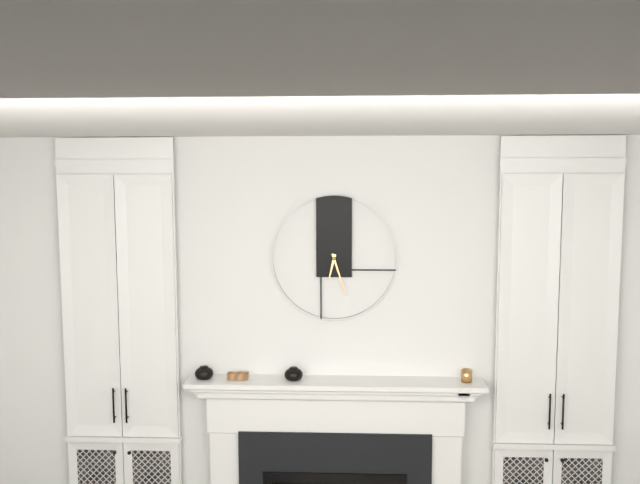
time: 6:27
